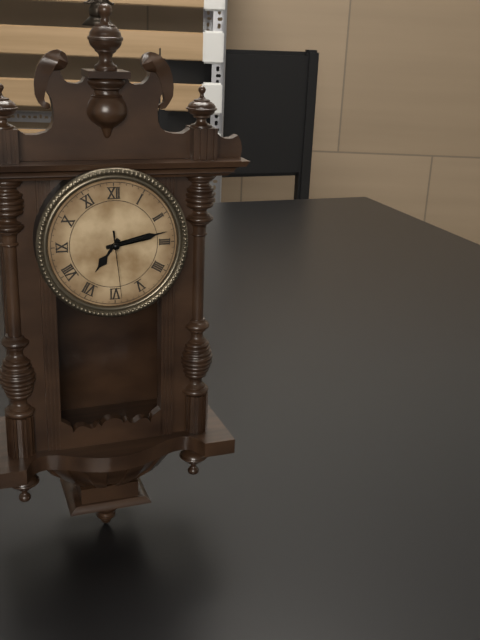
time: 7:13:29
